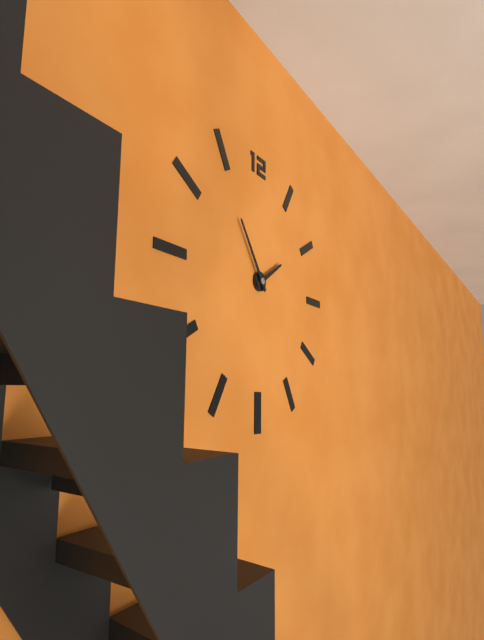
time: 1:54
